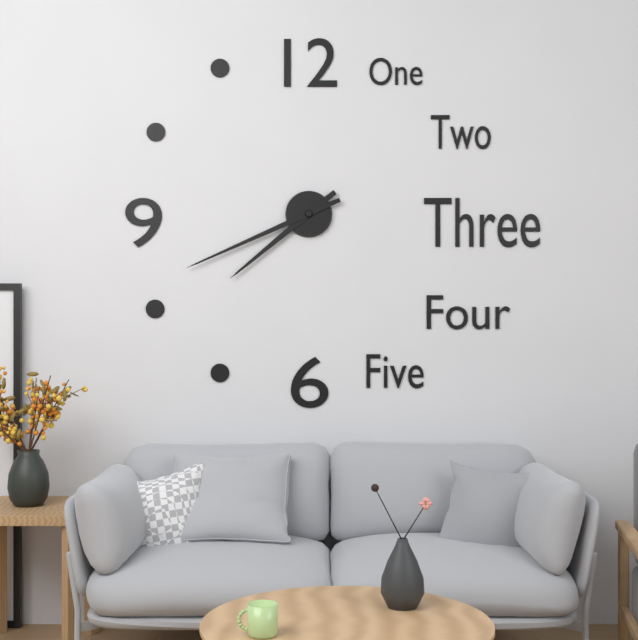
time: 7:41
